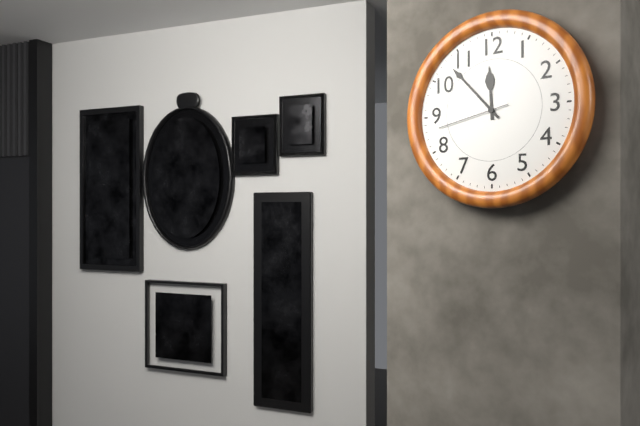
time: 11:53:43
